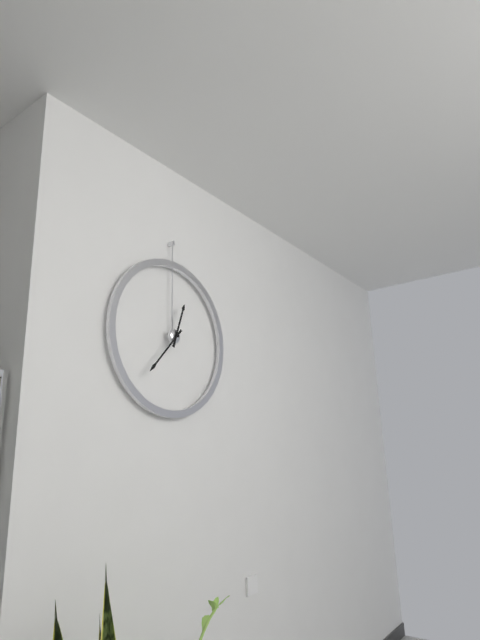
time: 12:37
